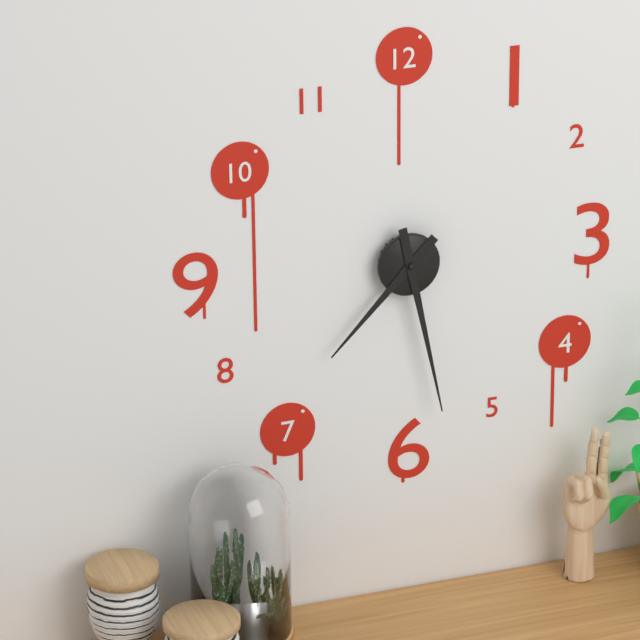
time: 7:28
